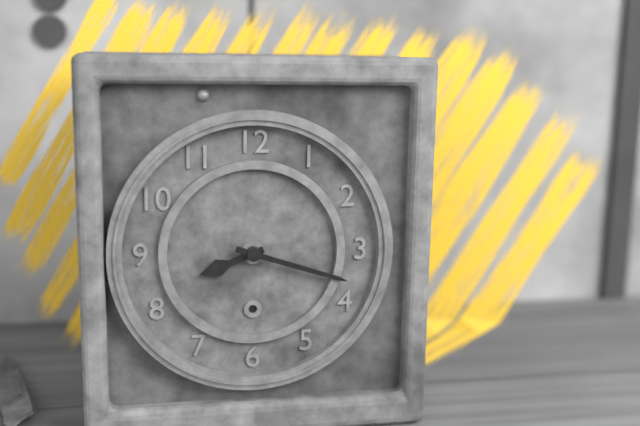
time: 8:18
